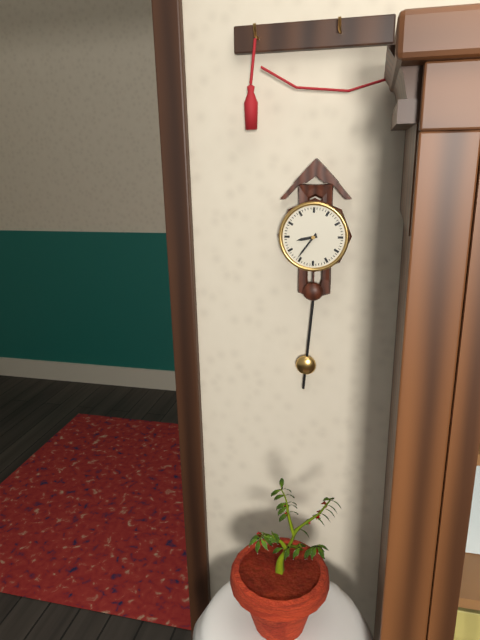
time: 8:36
